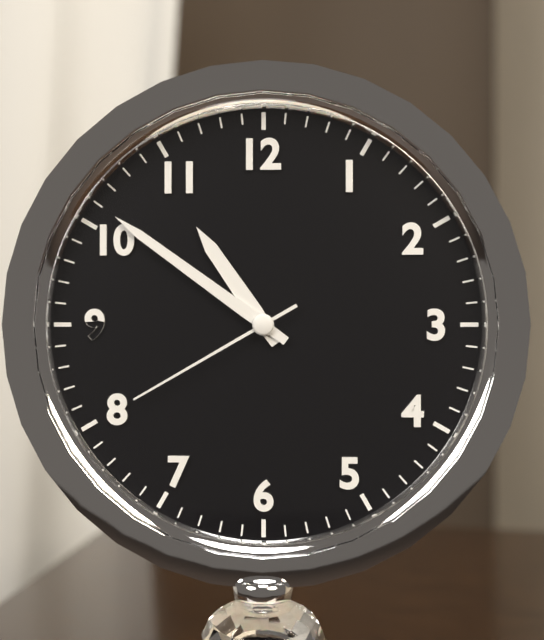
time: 10:51:40
